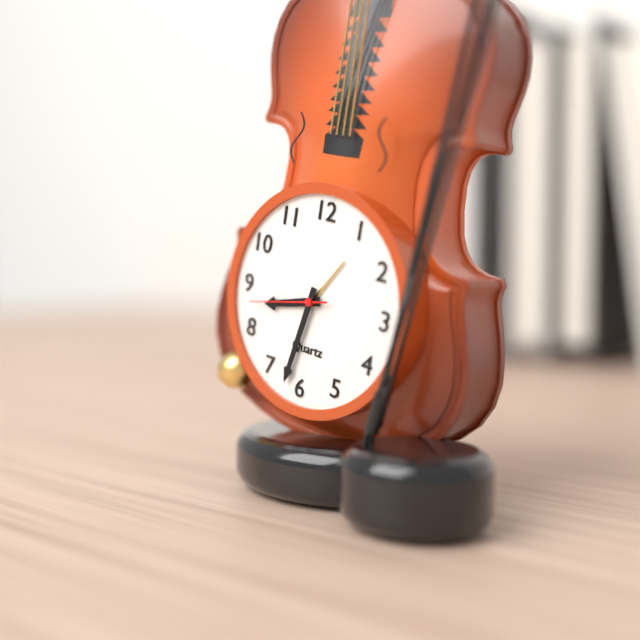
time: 8:32:43
